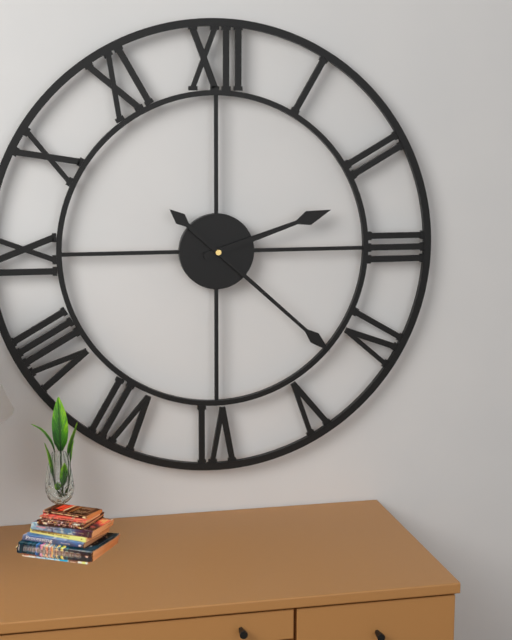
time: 2:22
